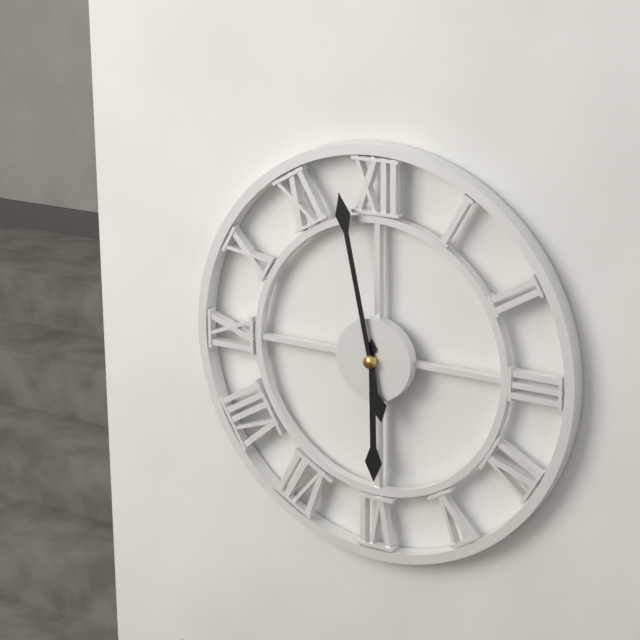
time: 5:58
